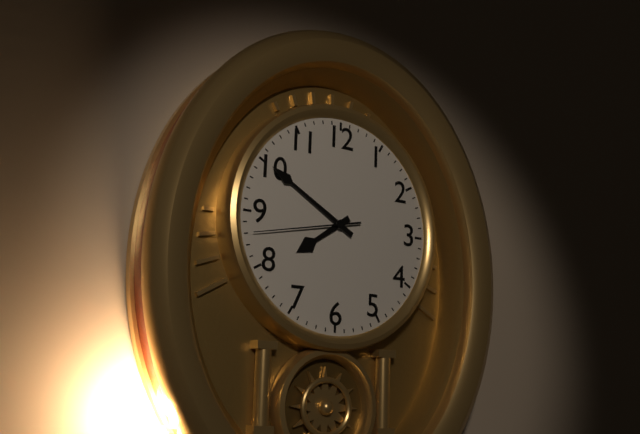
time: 7:50:43
